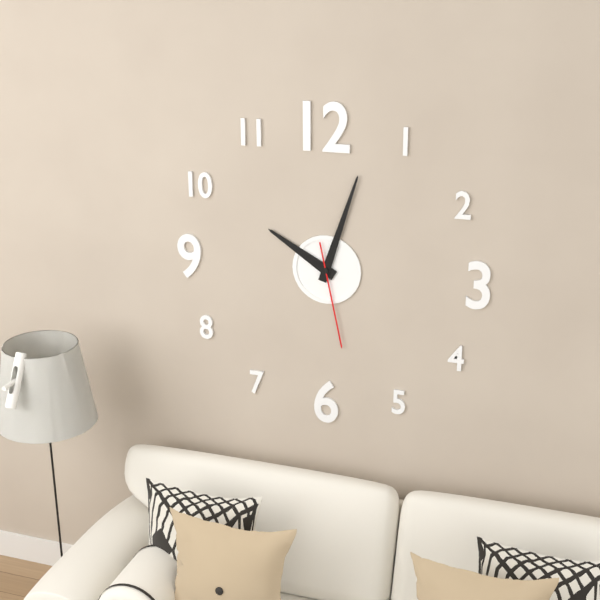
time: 10:03:28
